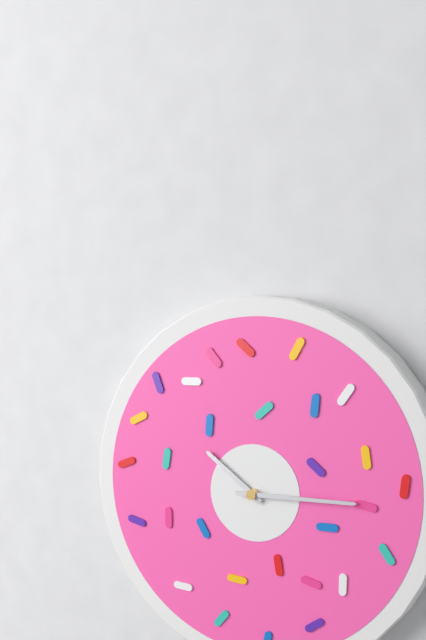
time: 10:15
